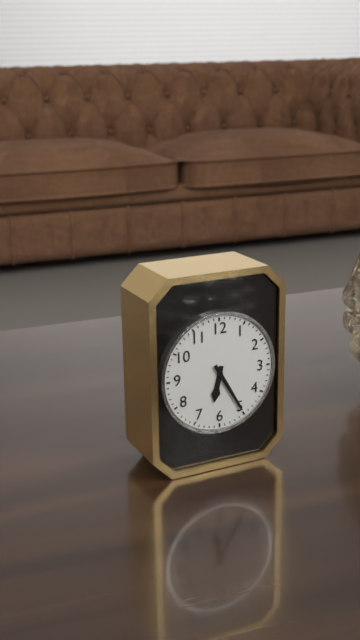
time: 6:25
